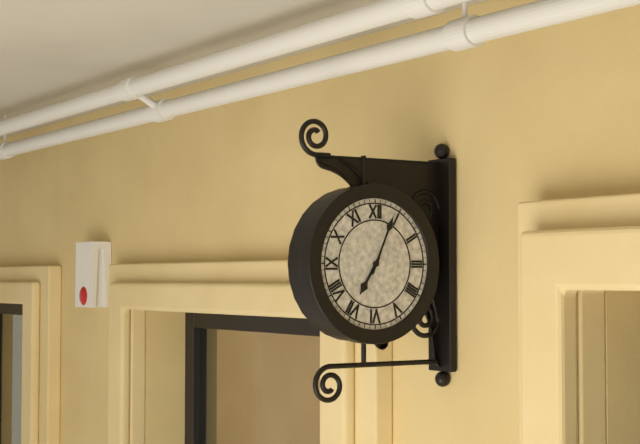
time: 7:04
